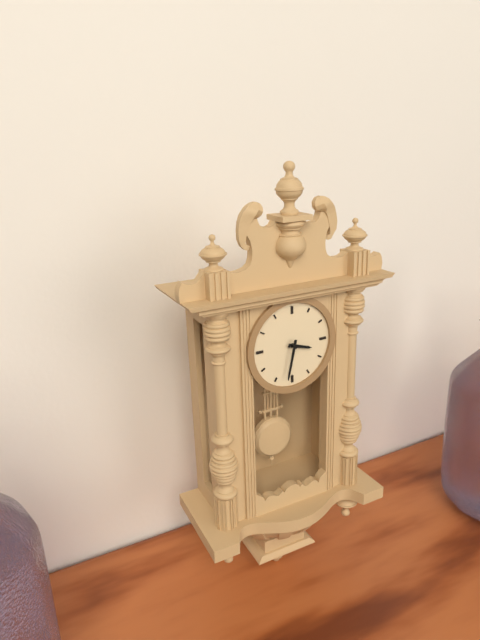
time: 3:32
